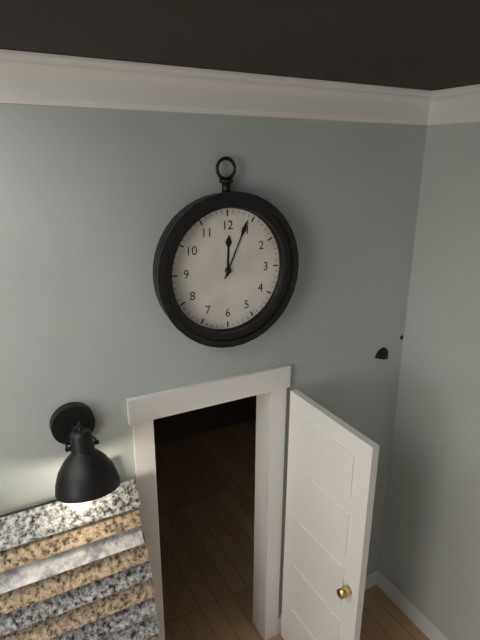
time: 12:04
